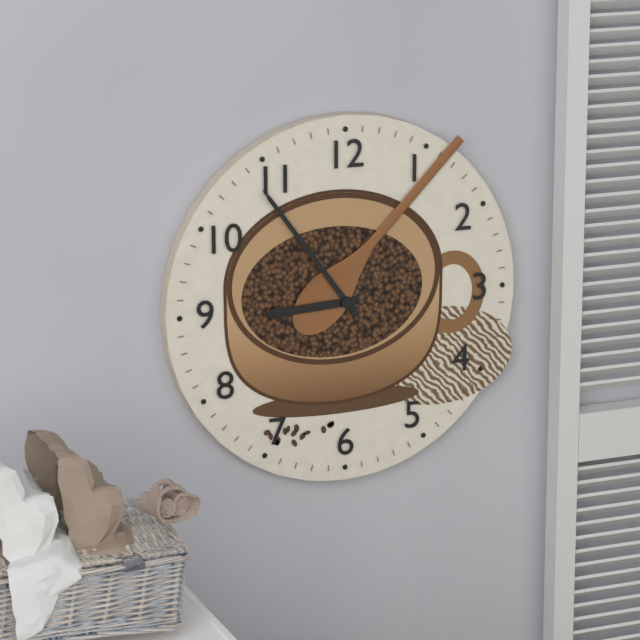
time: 8:54
